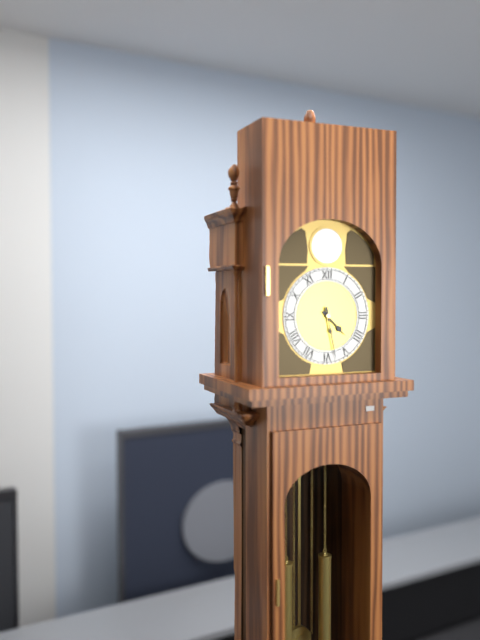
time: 4:28
